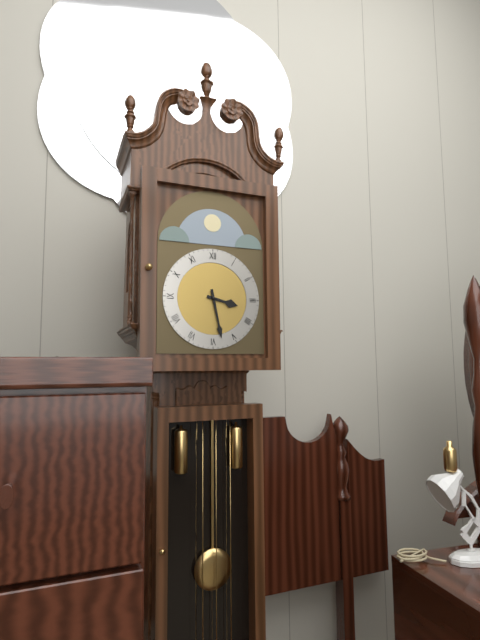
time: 3:28
